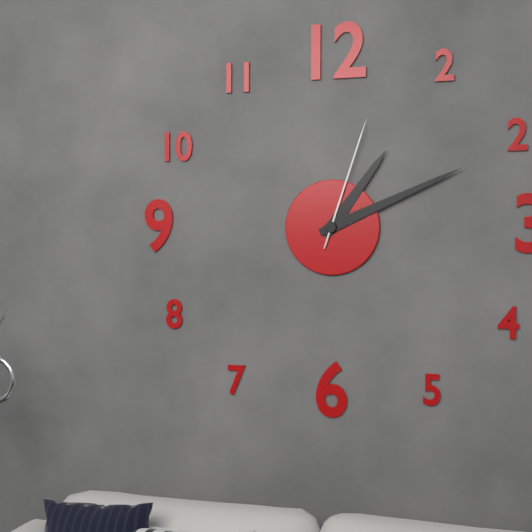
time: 1:11:03
